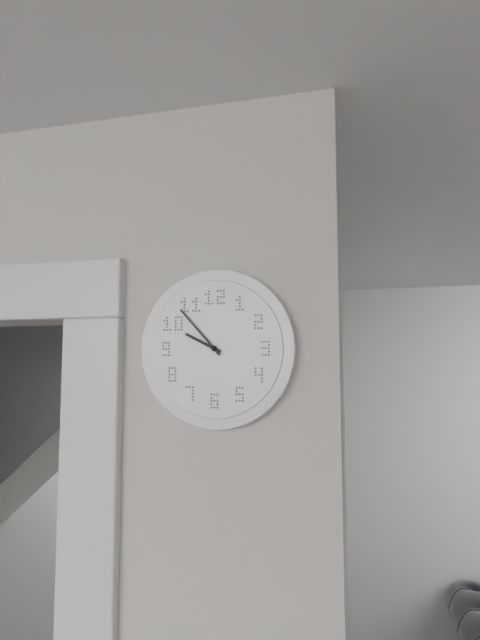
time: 9:53
